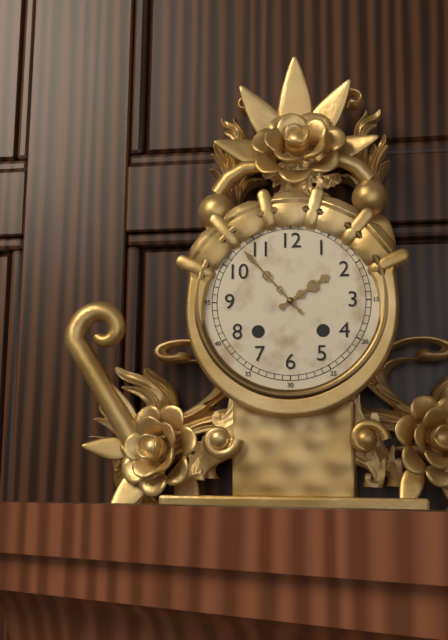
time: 1:53
